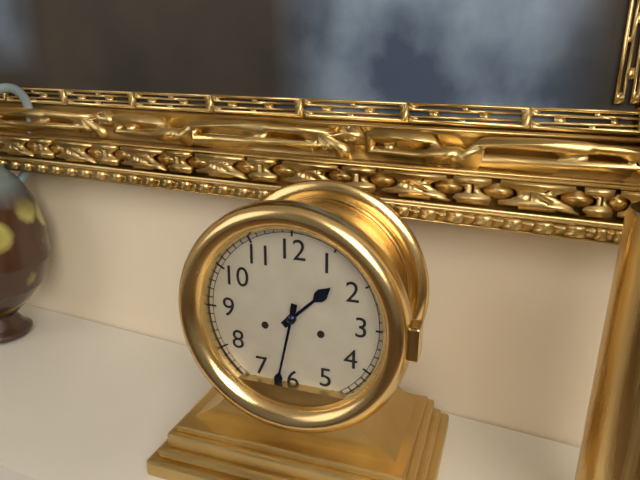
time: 1:32
